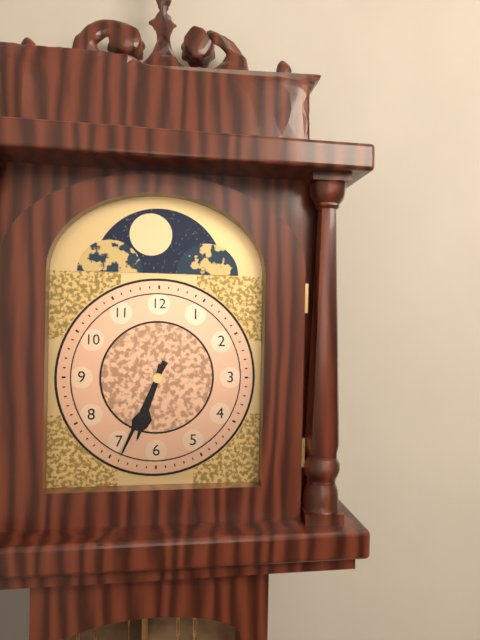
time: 6:34
